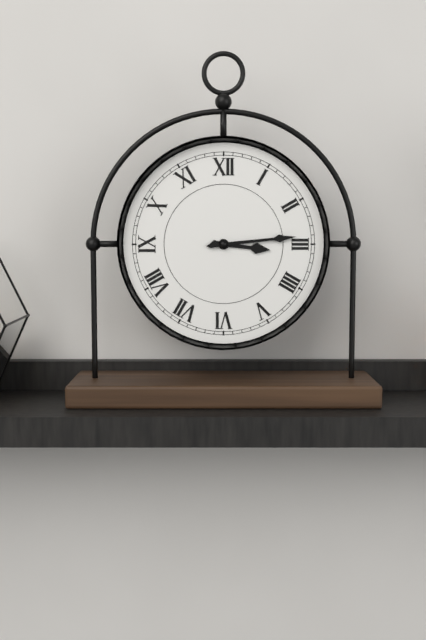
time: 3:14
